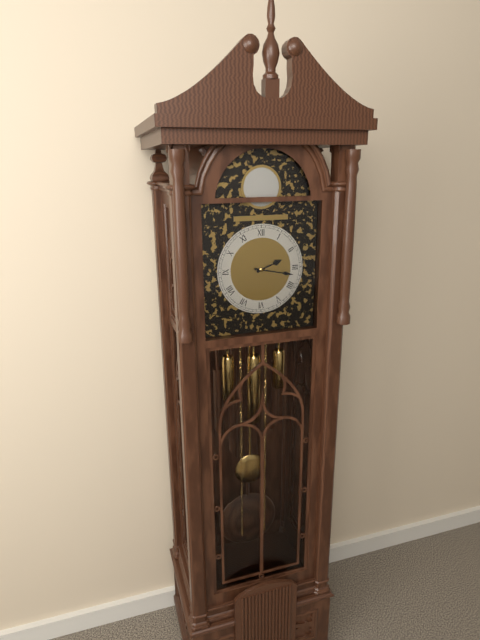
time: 2:17
